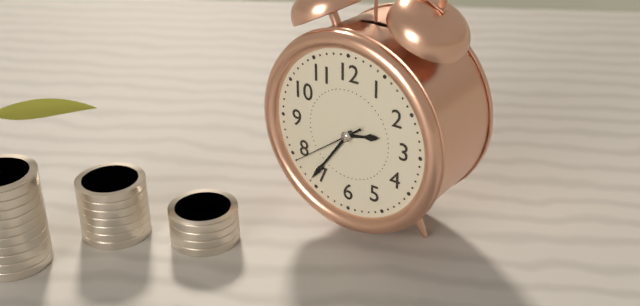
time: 2:36:39
